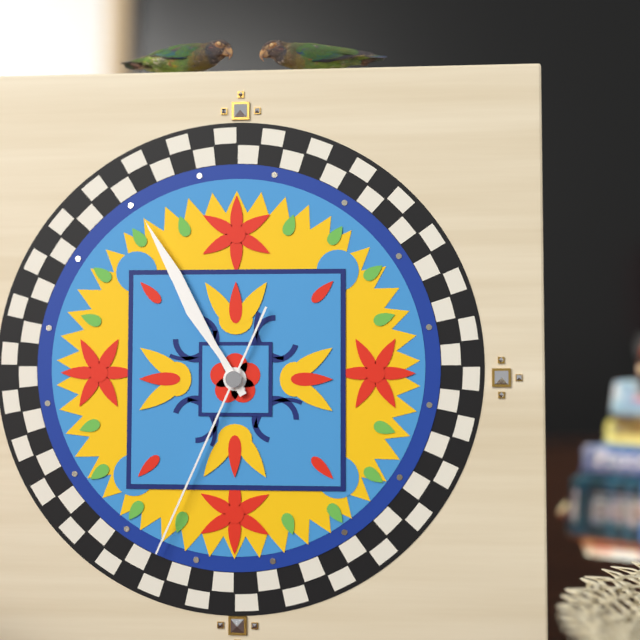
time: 10:55:34
